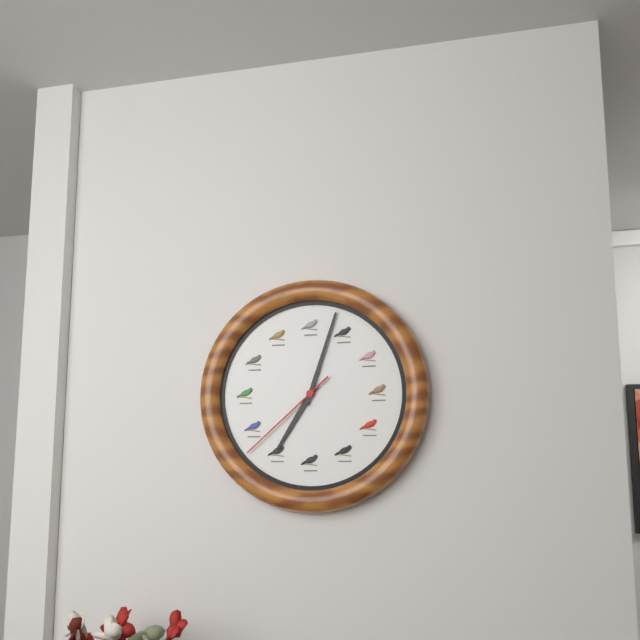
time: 7:03:38
